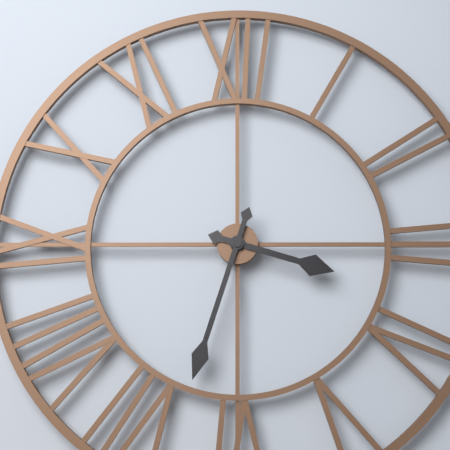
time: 3:33
